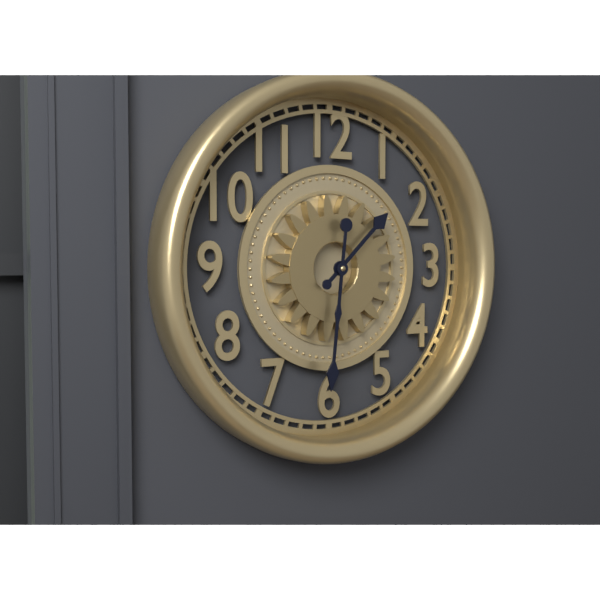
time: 1:31
